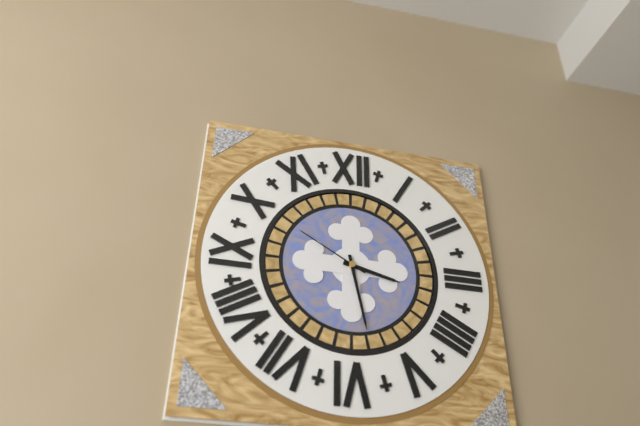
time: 3:28:50
